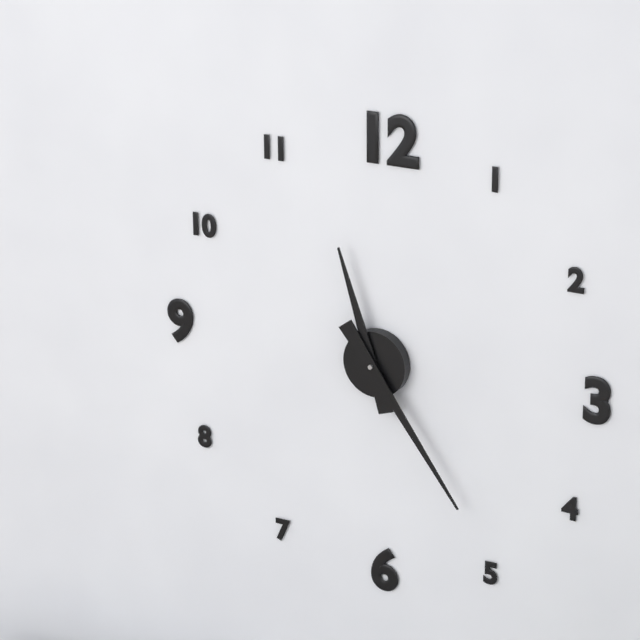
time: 11:24
